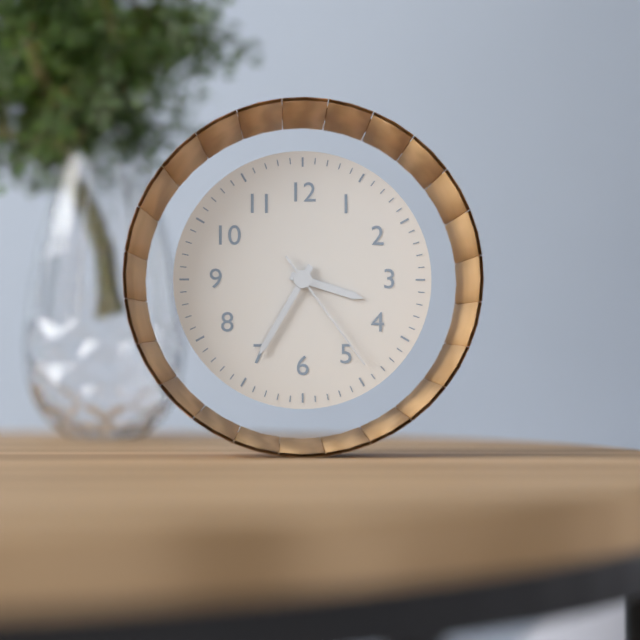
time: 3:35:24
